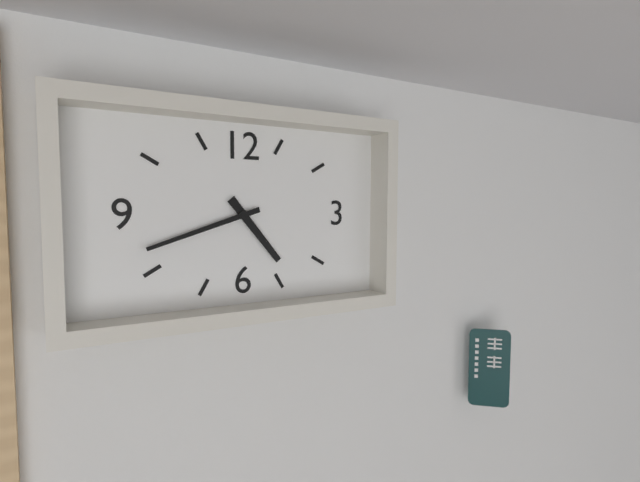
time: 4:42
